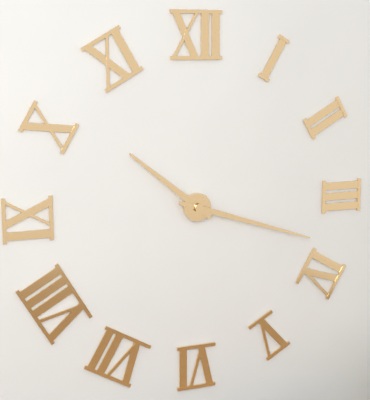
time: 10:18
